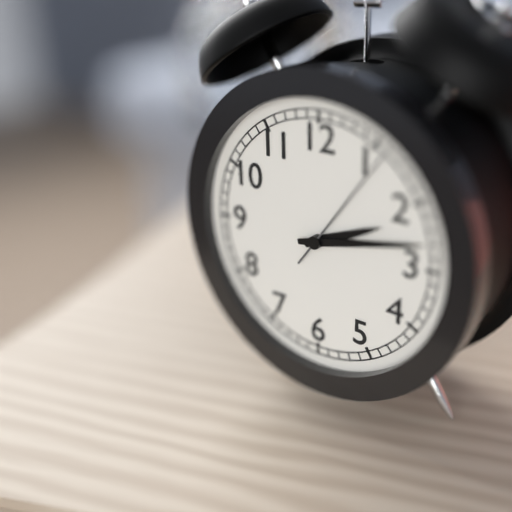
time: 2:13:06
